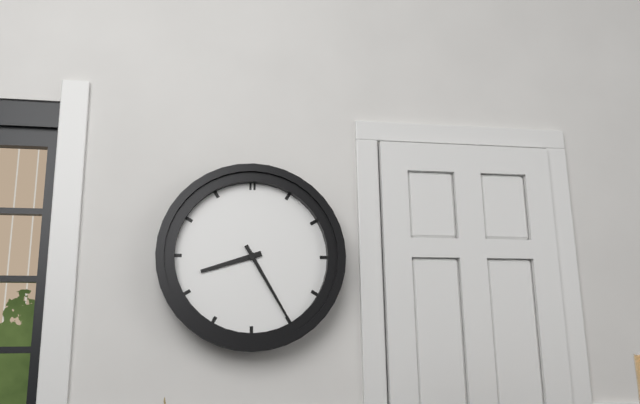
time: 8:25
